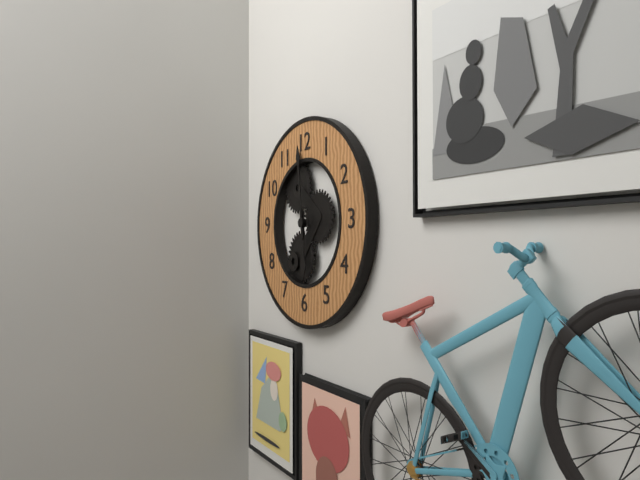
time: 5:59
